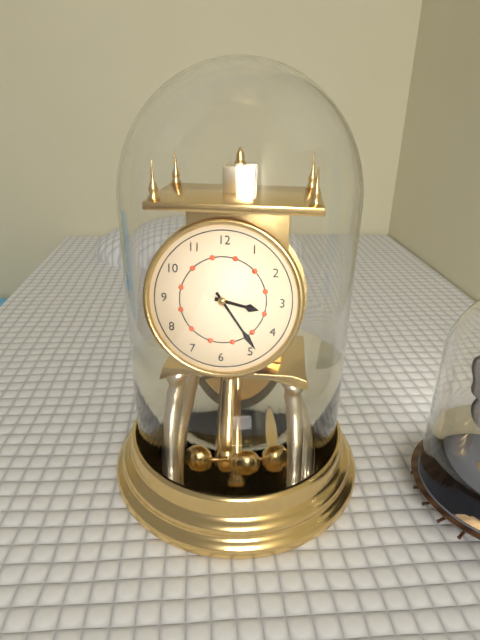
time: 3:24
